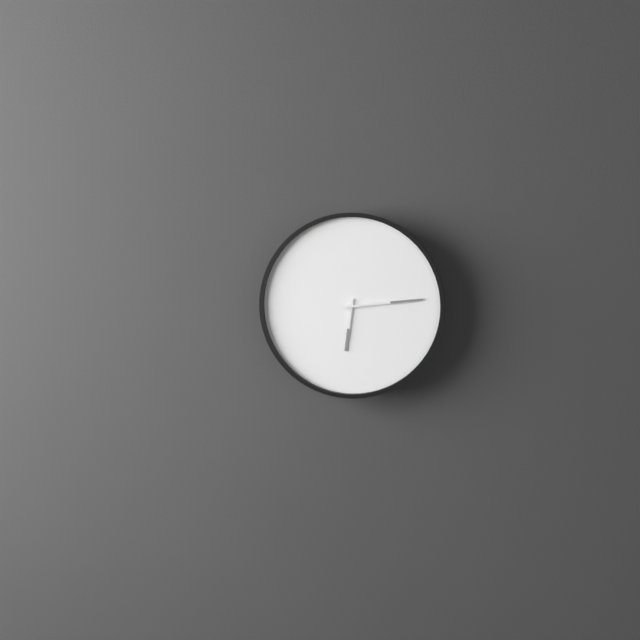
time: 6:14
